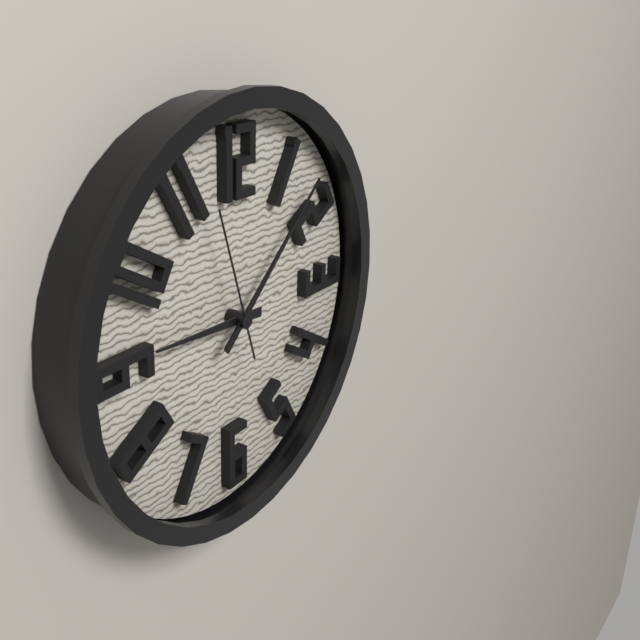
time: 9:08:57
